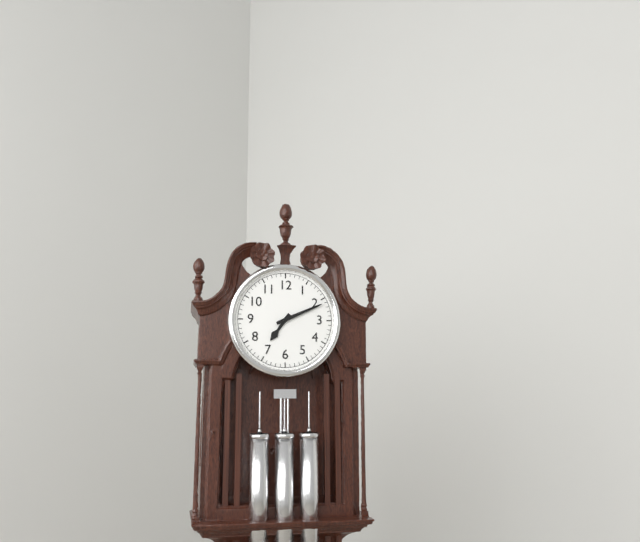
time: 7:11
